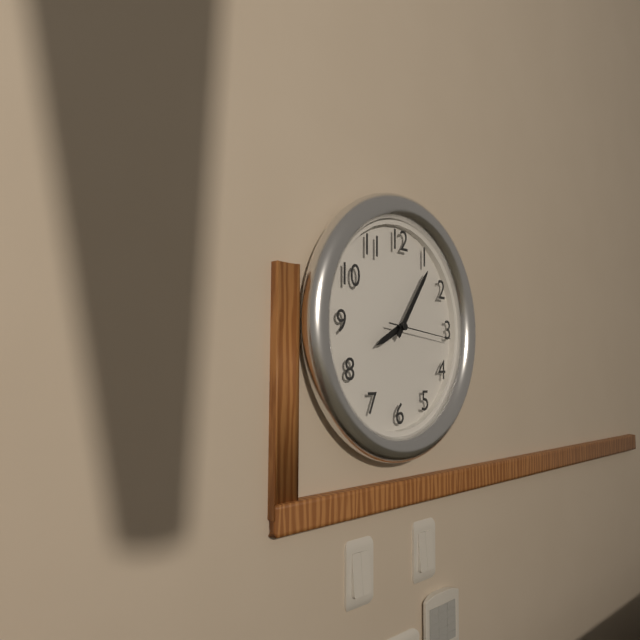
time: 8:06:16
